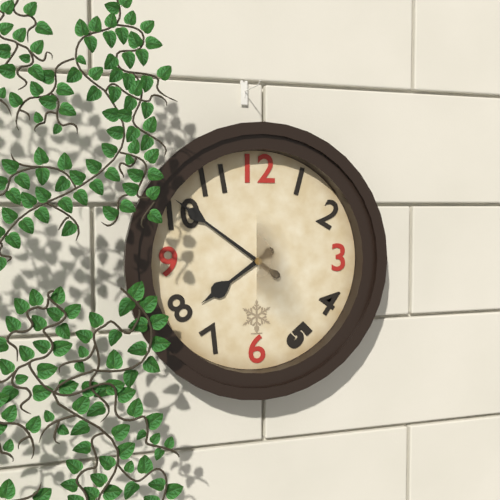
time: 7:51
